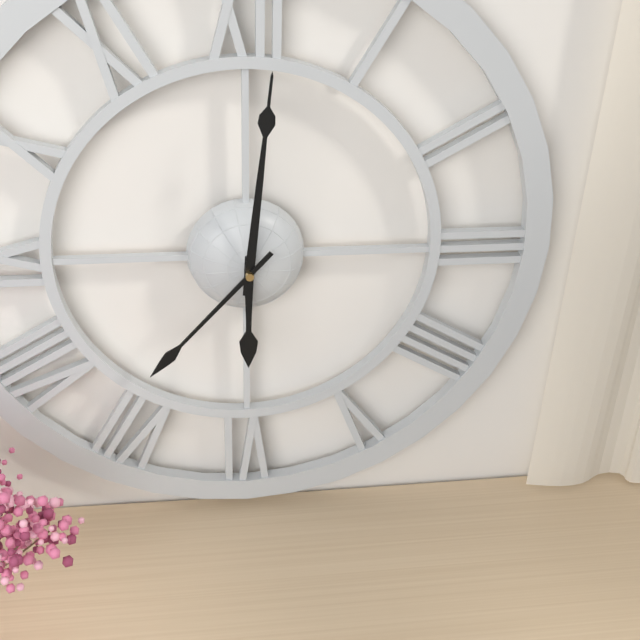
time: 6:01:37
